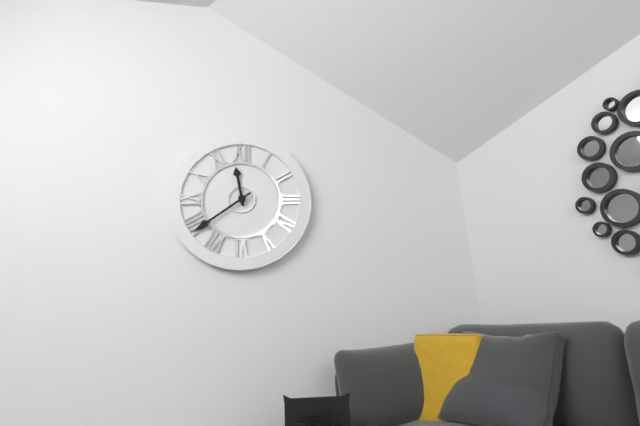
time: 11:39
